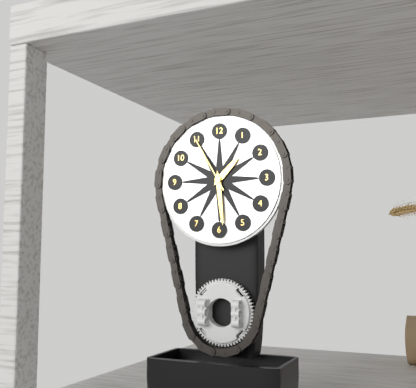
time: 1:29:55
